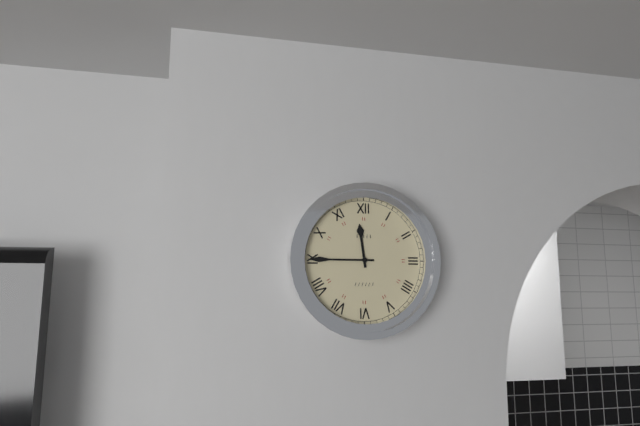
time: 11:45
